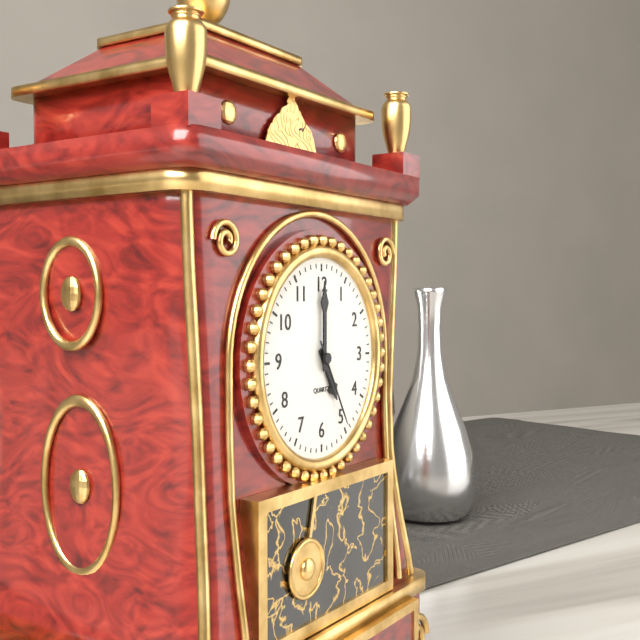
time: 5:00:25
